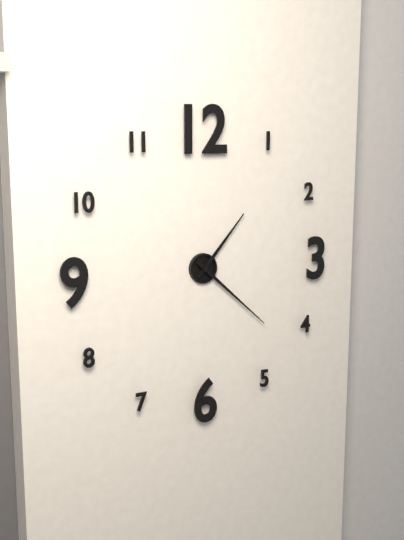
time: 1:22
